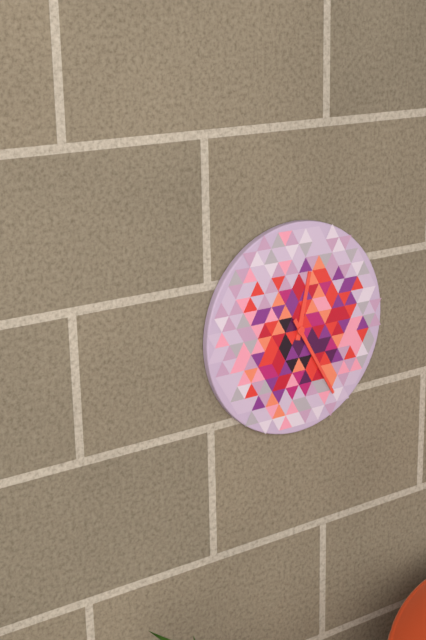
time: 12:25
